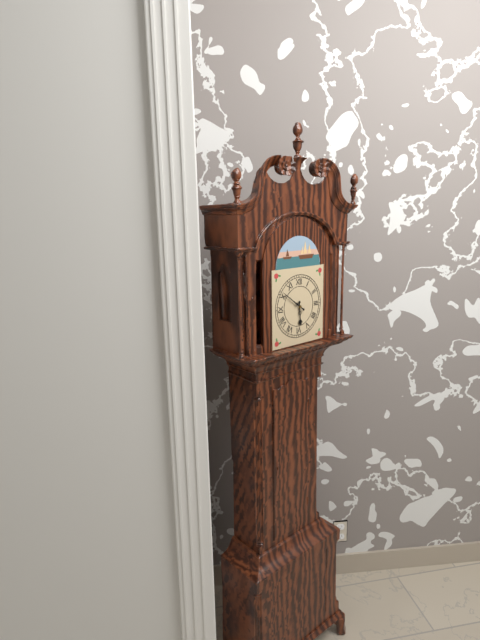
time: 5:51
